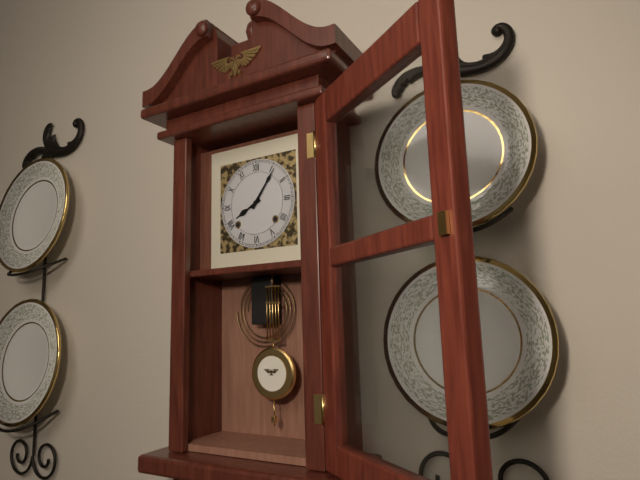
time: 8:06
